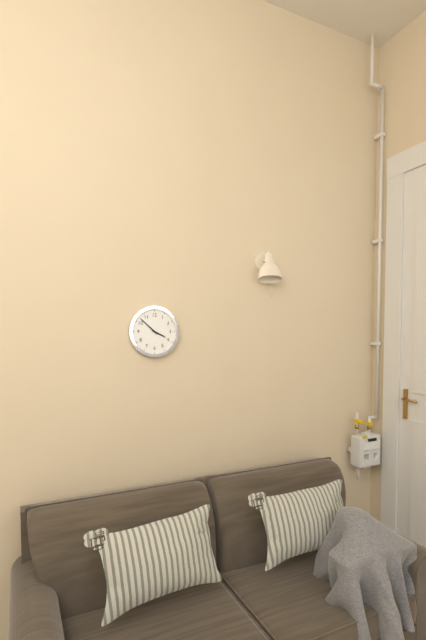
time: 3:52
